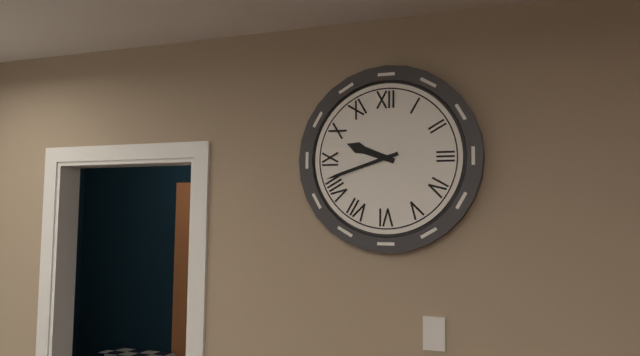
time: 9:42
